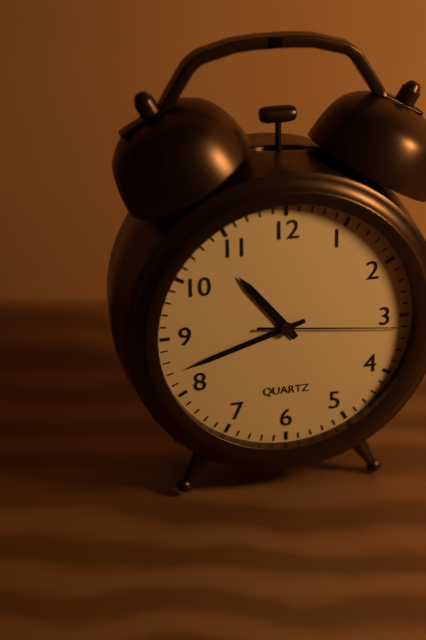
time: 10:42:16
